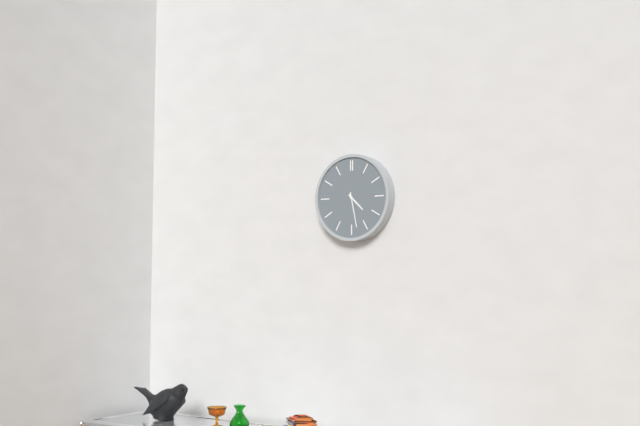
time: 4:28
